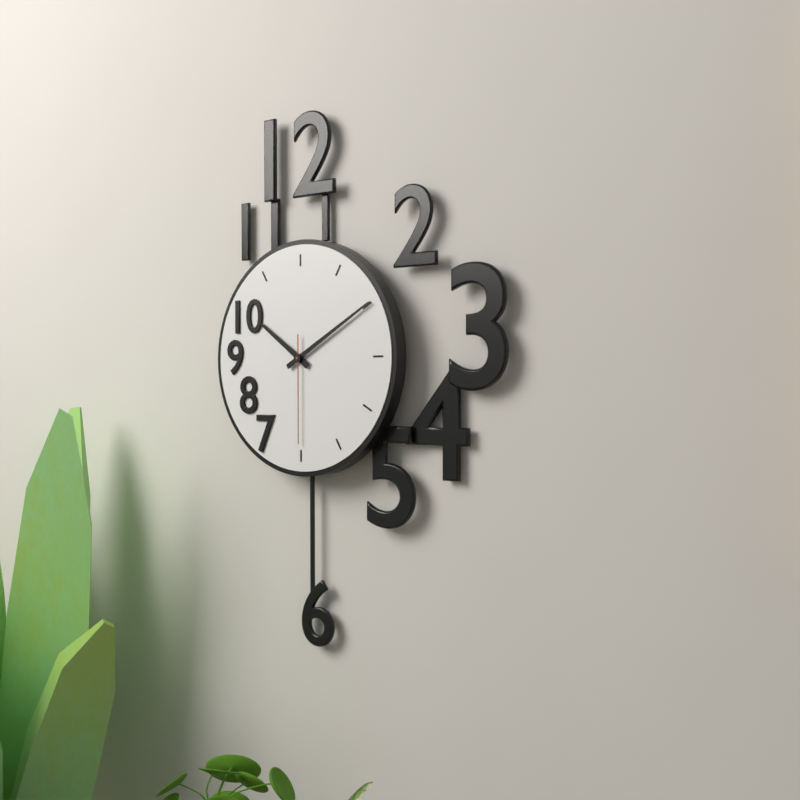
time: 10:10:30
